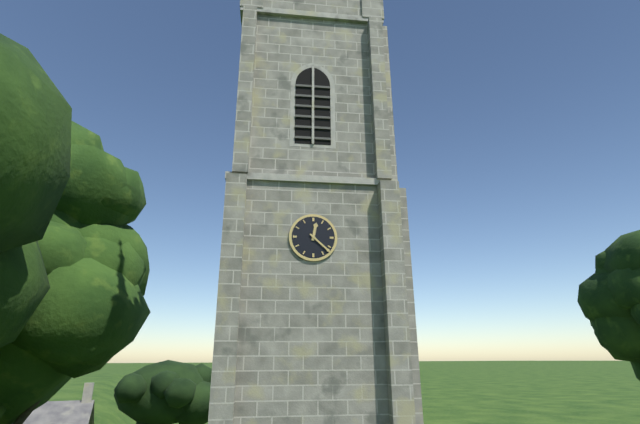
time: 12:22
